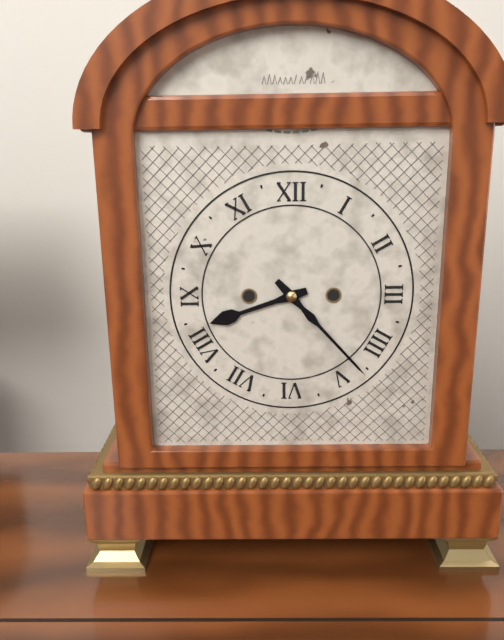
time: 8:23
